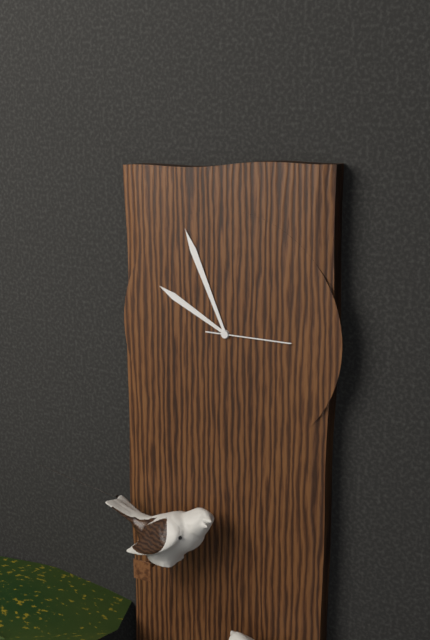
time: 9:56:15
